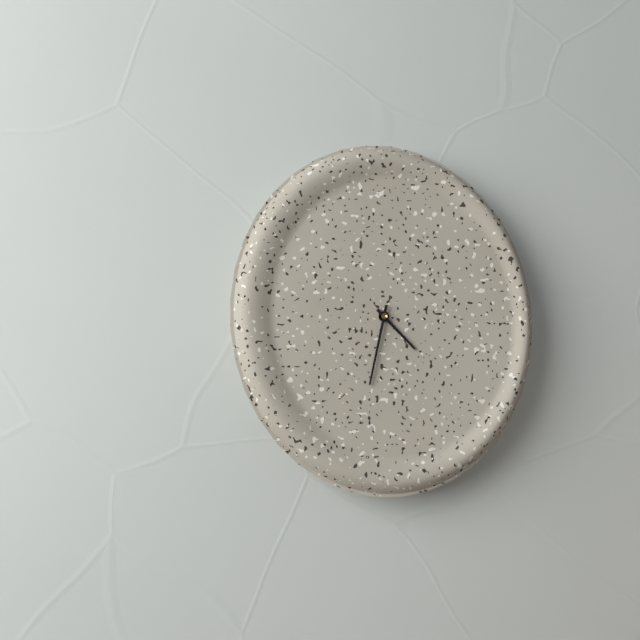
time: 4:32
